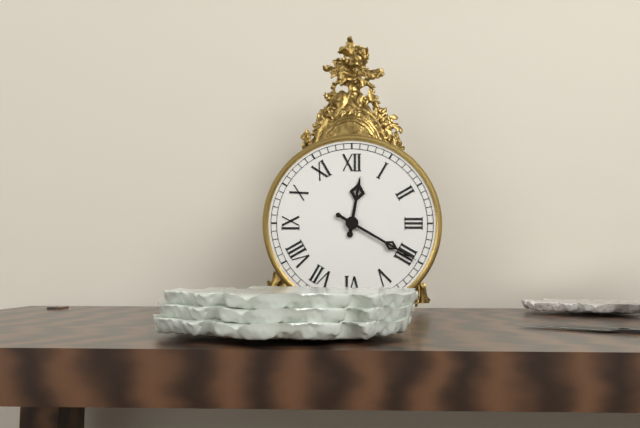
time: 12:20
